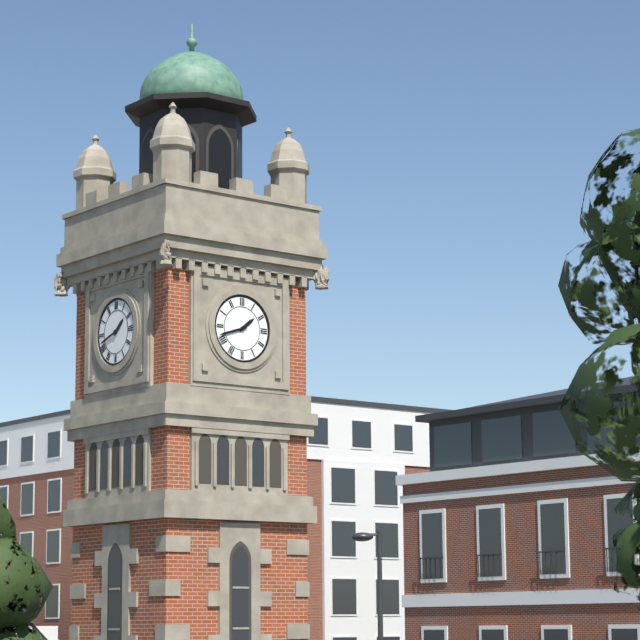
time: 1:42
